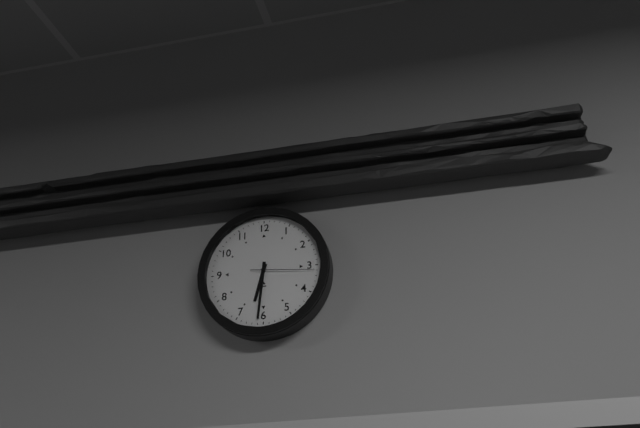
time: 6:31:16
